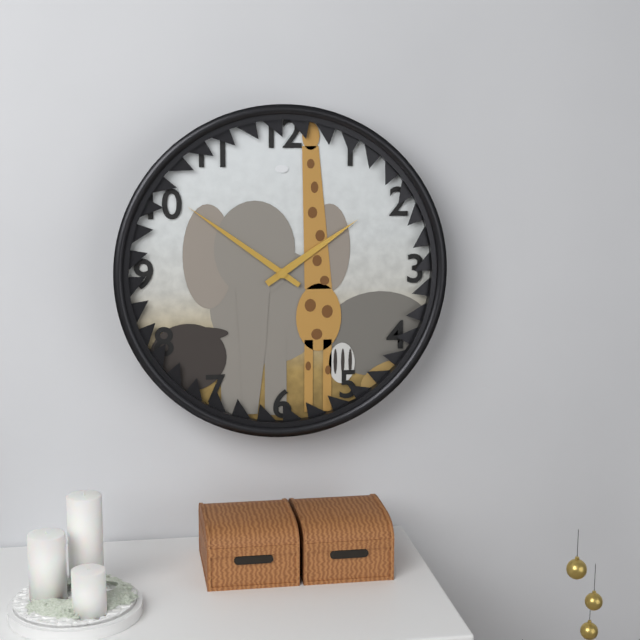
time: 1:51
